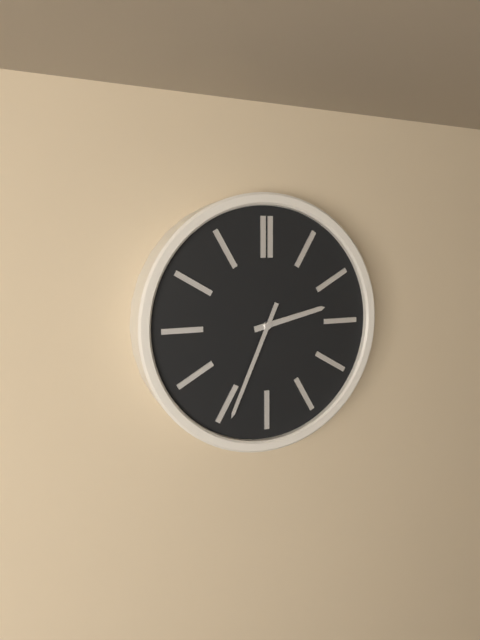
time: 2:34
